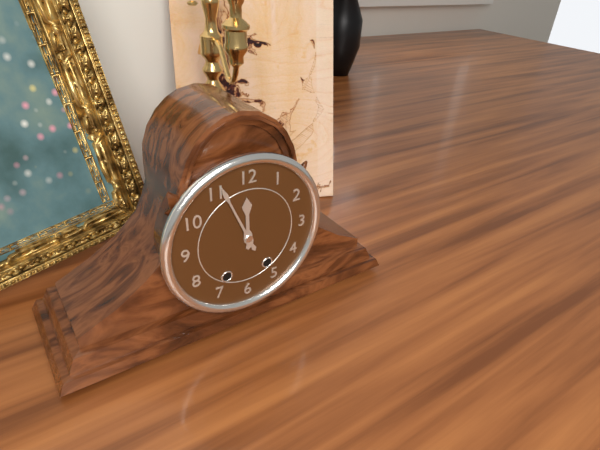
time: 11:56
